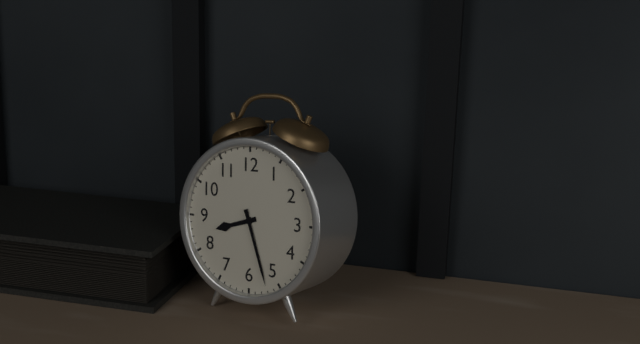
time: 8:27
